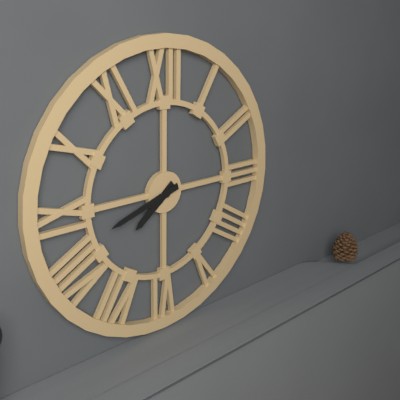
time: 7:42
